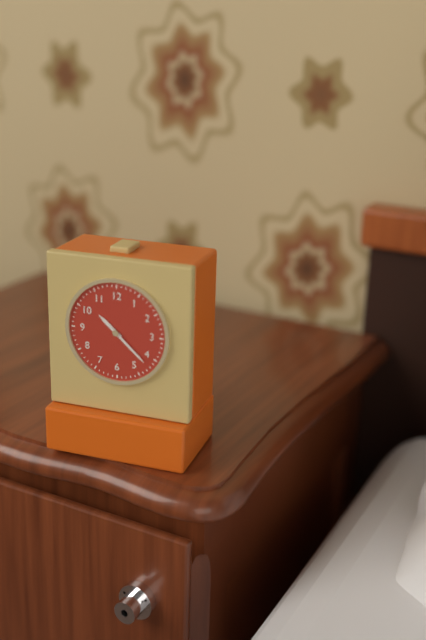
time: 10:22
